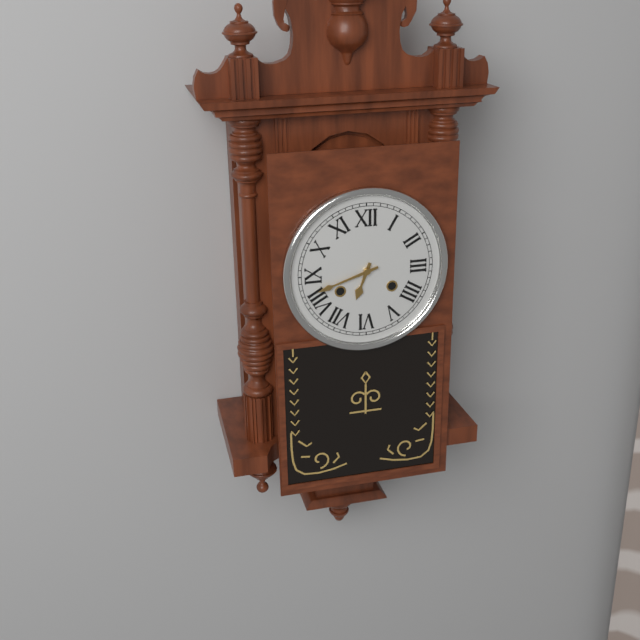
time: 6:42
